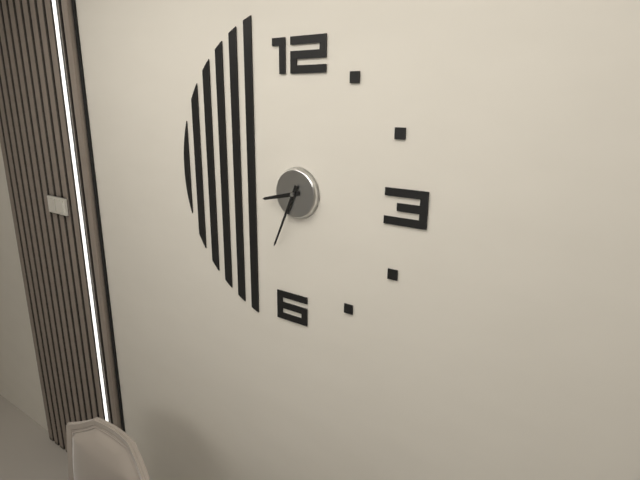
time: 8:34
